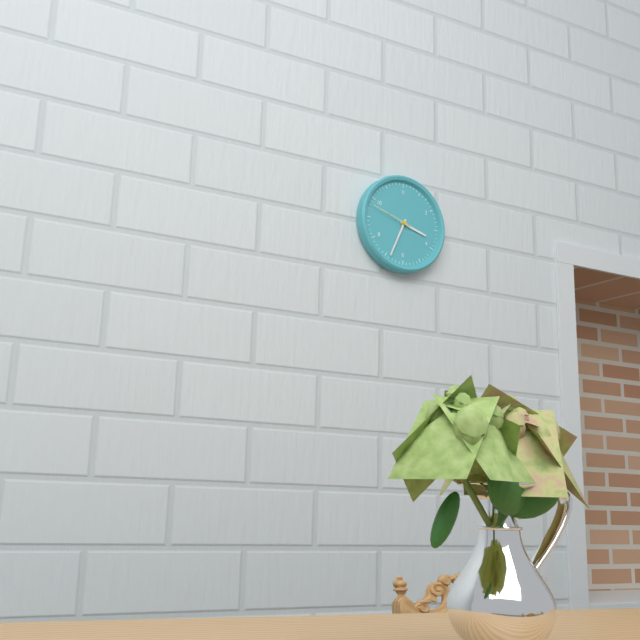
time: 3:34
